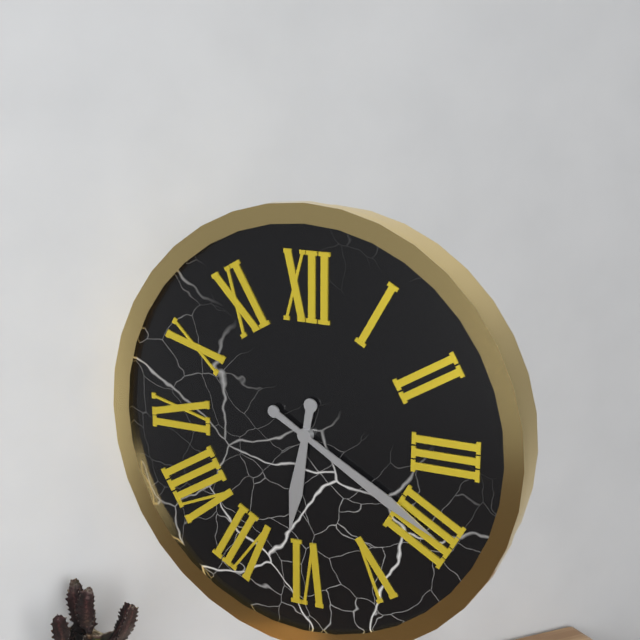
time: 6:20
